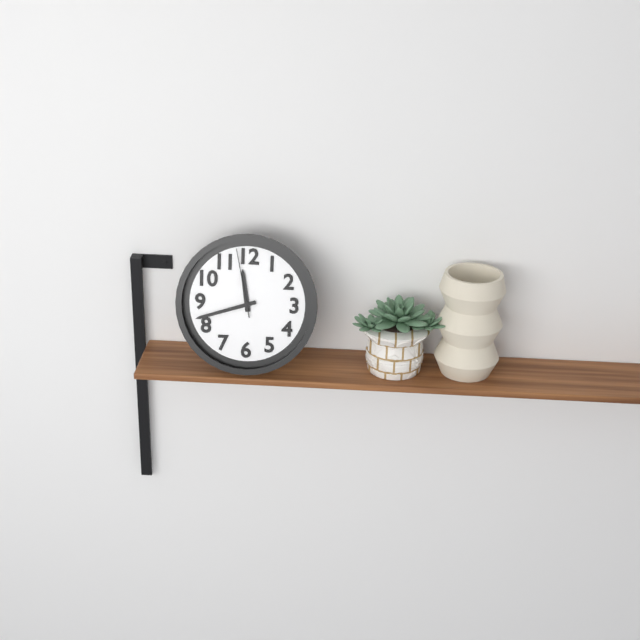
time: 11:42:58
